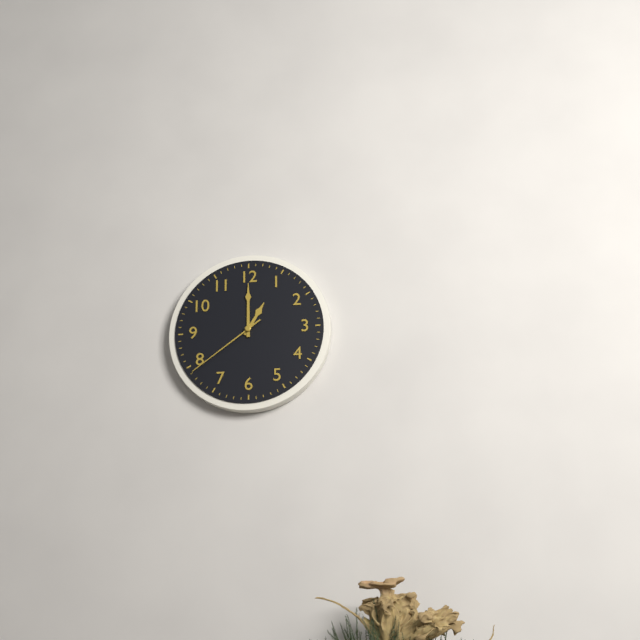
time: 1:00:39
